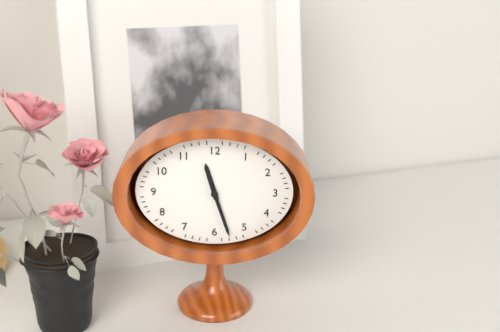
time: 11:27
